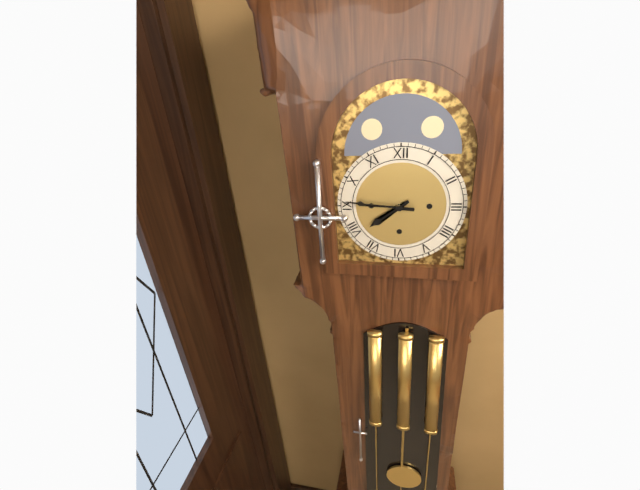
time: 7:46
